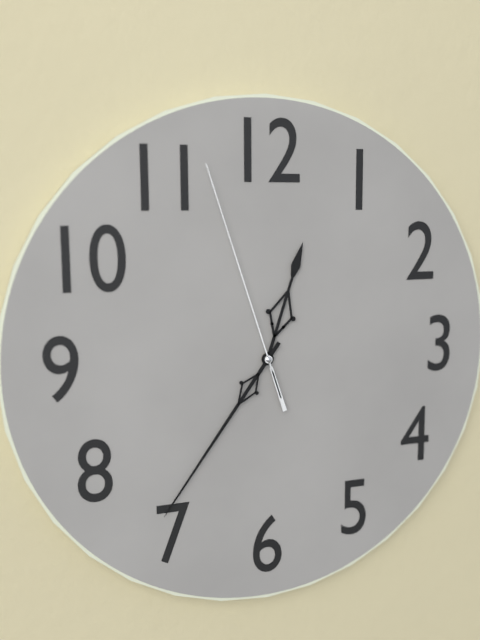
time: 12:36:57
